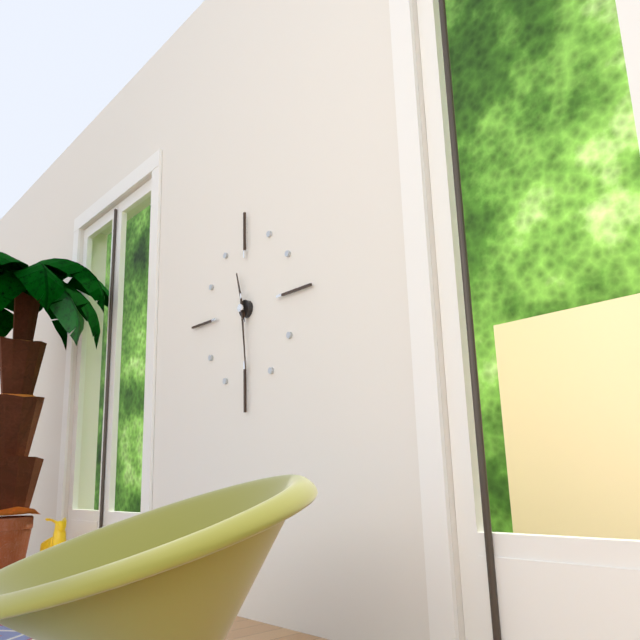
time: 11:29
